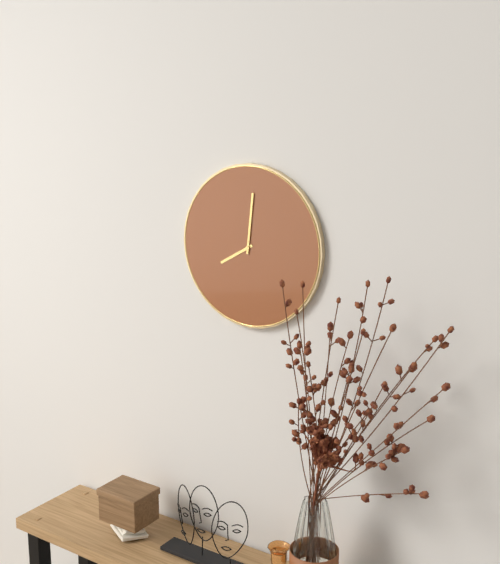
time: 8:01
